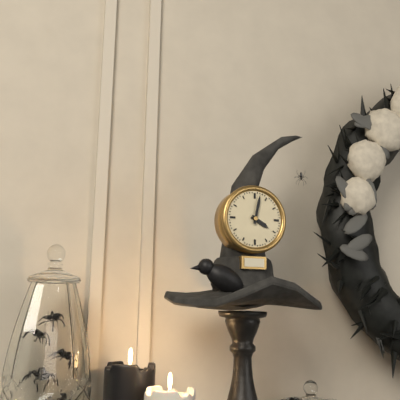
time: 4:02
